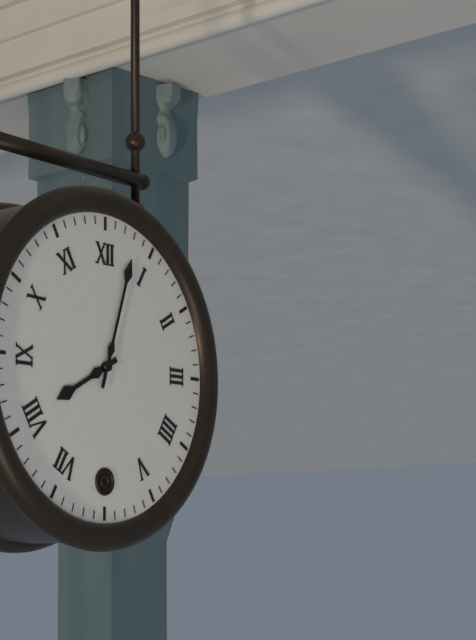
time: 8:03
